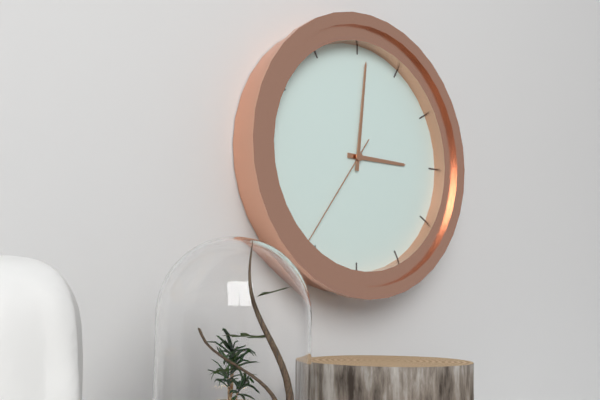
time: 3:01:36
